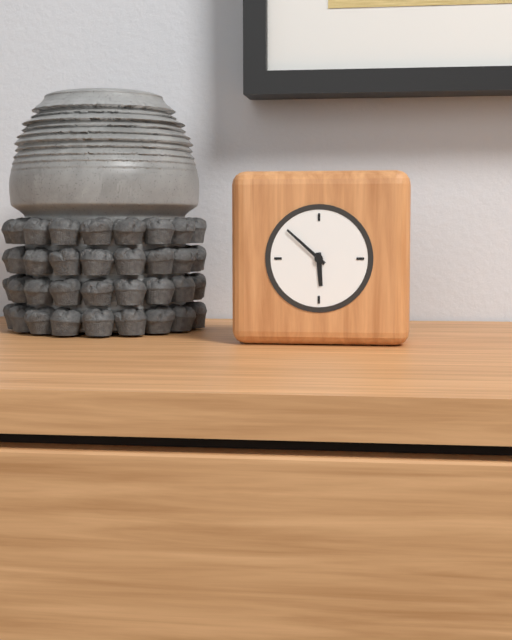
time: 5:52
